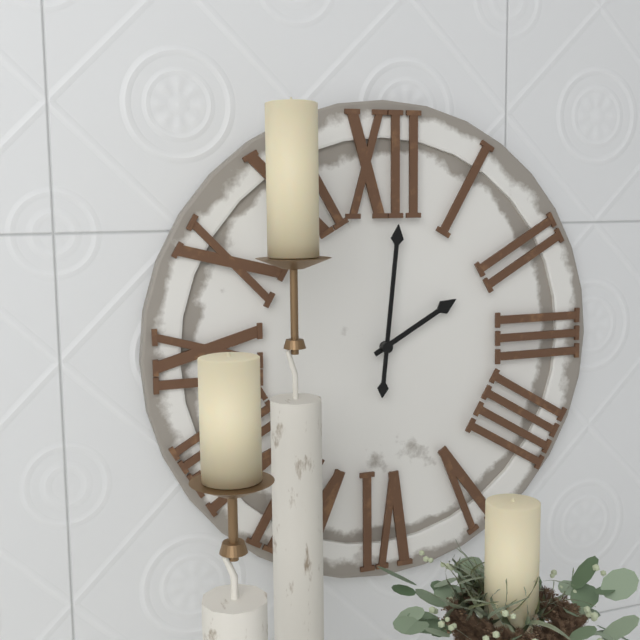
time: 2:01
